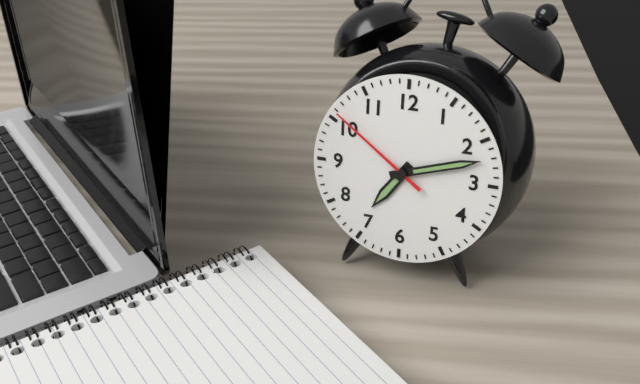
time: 7:12:51
